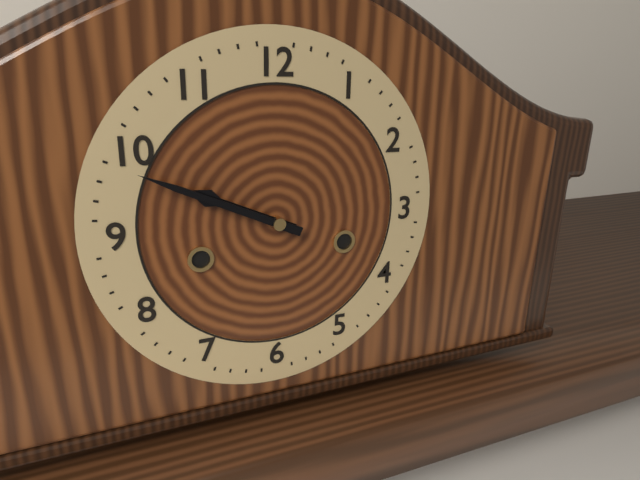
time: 9:49
